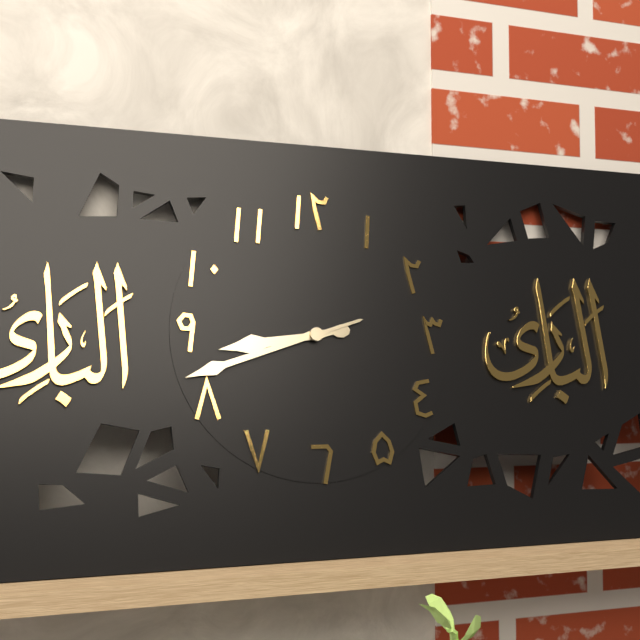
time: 8:42
